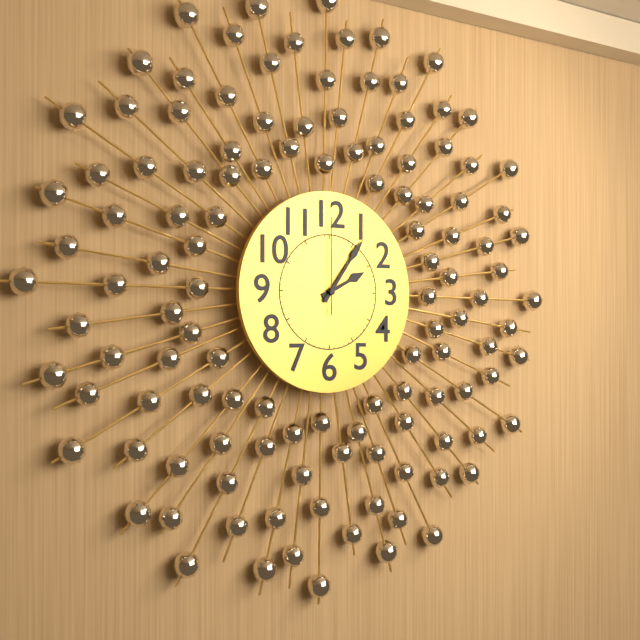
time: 2:06:00
